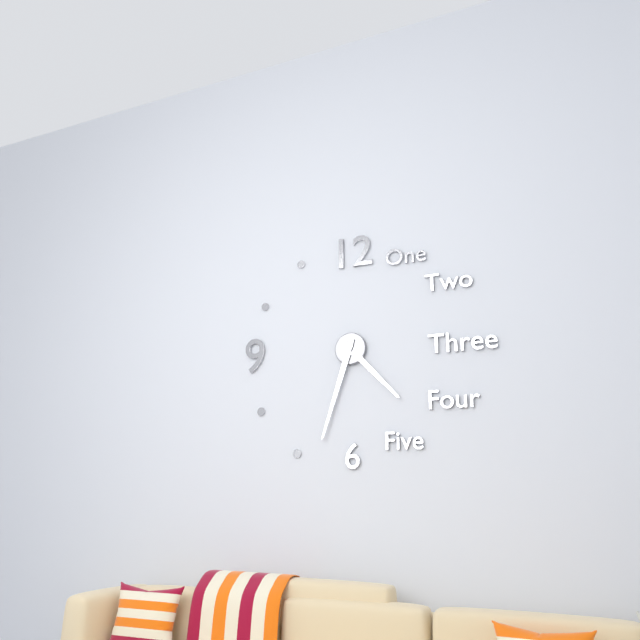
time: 4:33
